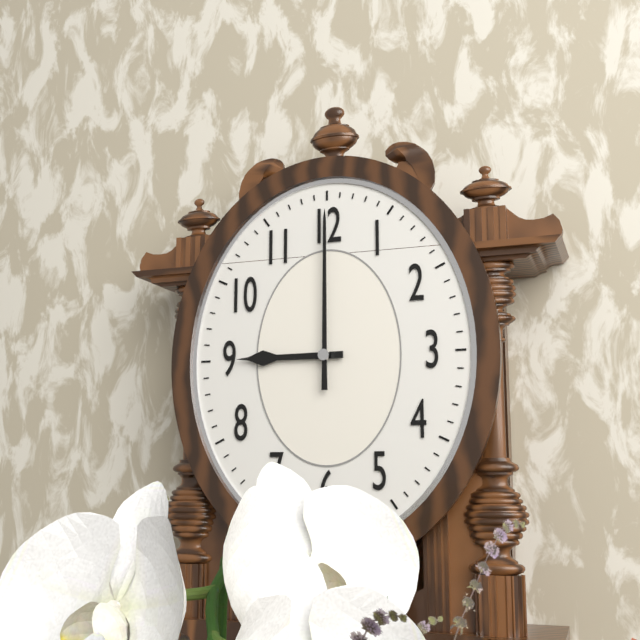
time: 9:00
